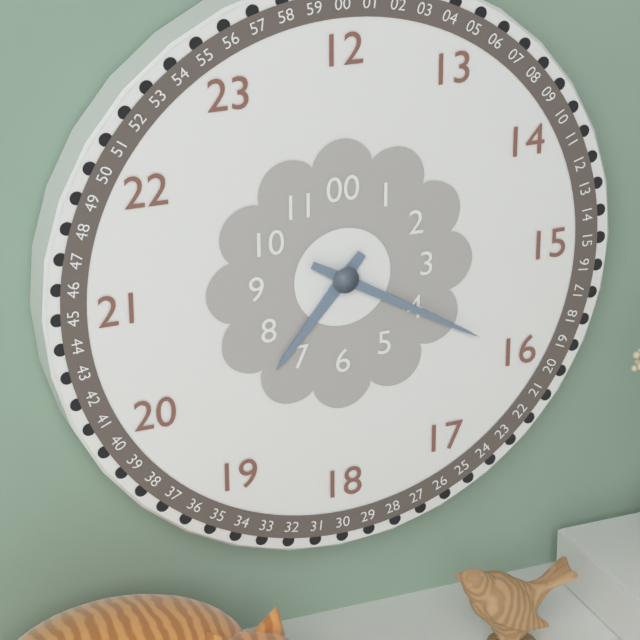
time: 7:20
